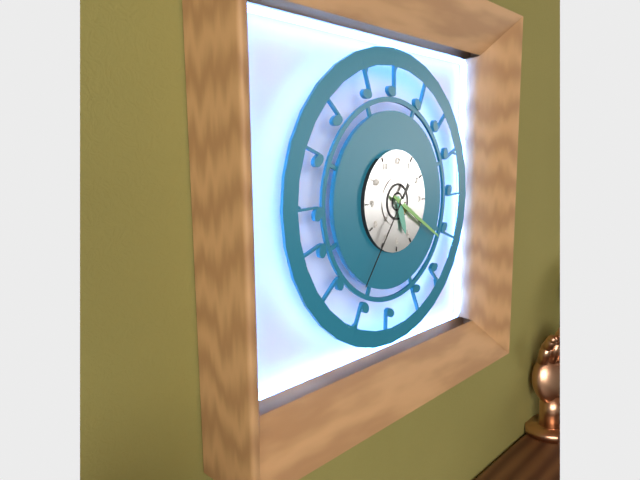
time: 5:20:36
